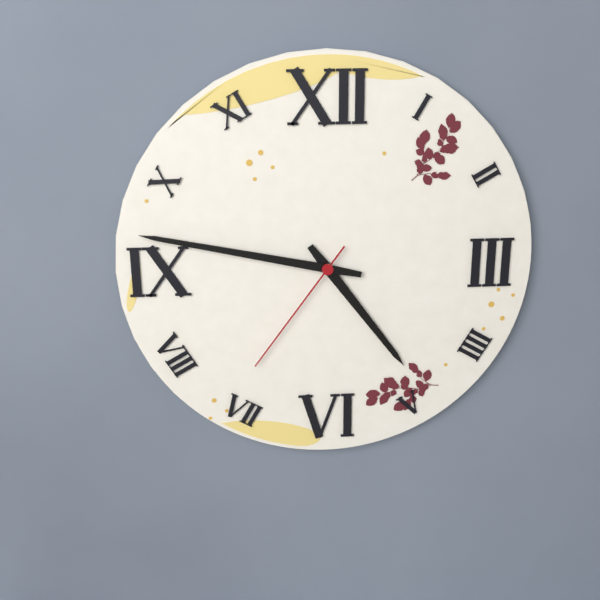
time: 4:47:36
